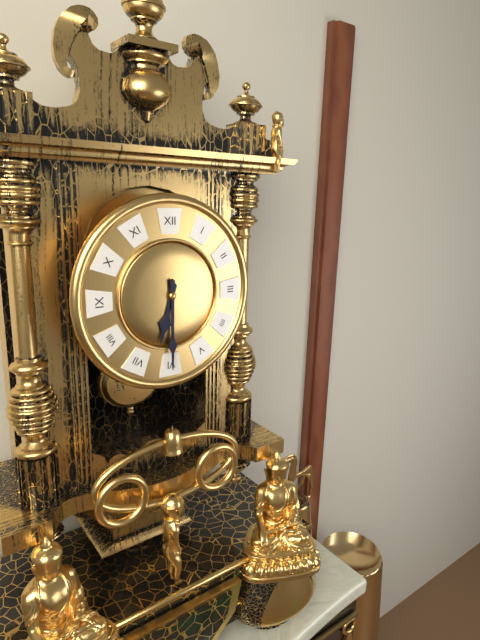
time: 6:30
